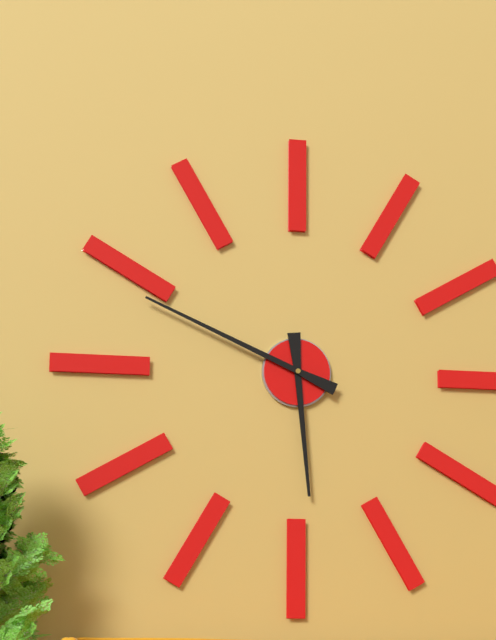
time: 5:49
